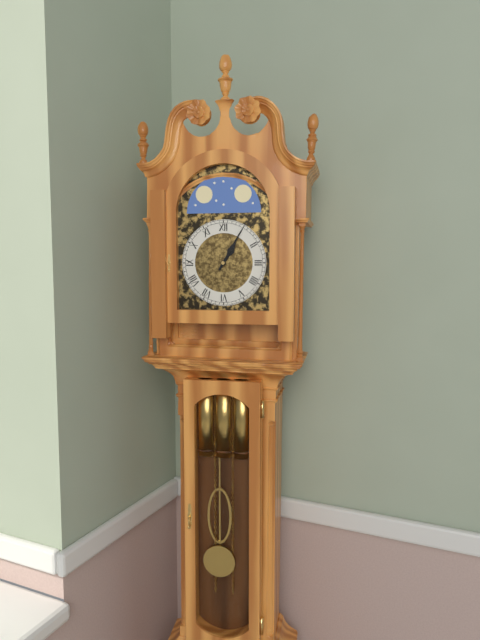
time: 1:05
